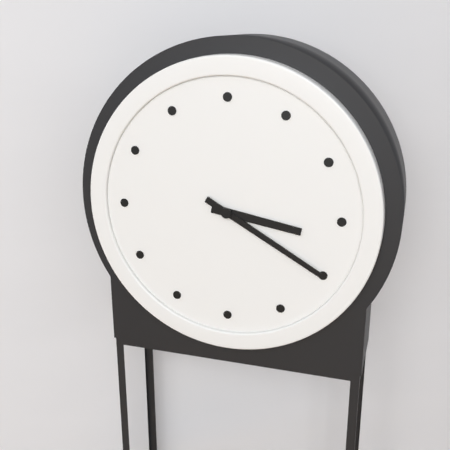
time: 3:20
